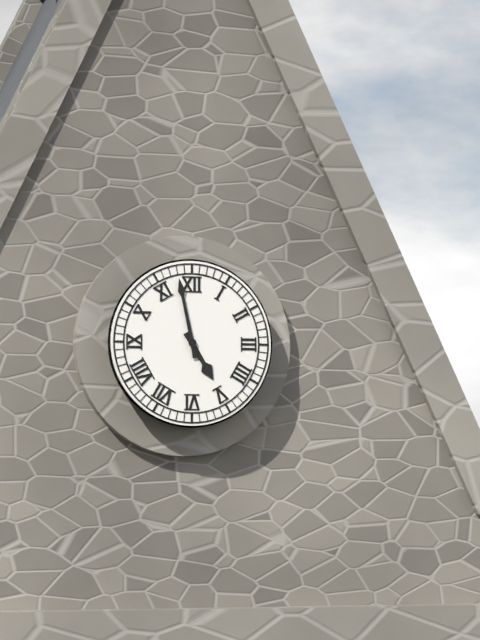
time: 4:58
